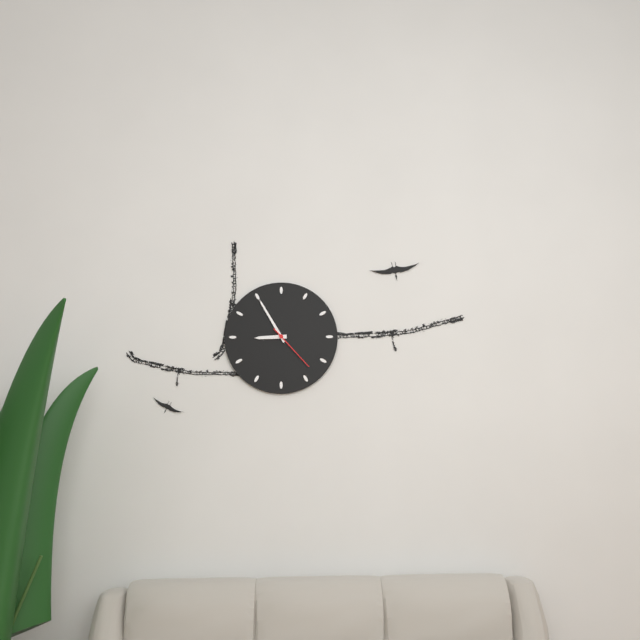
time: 8:55:23
